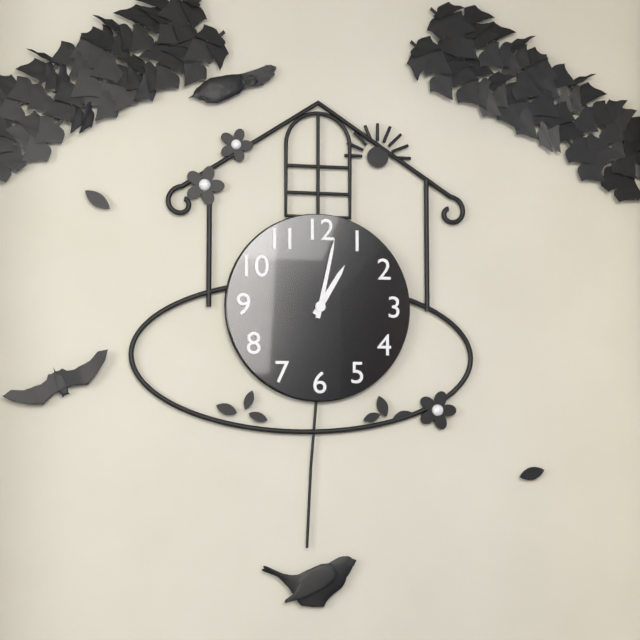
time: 1:02
